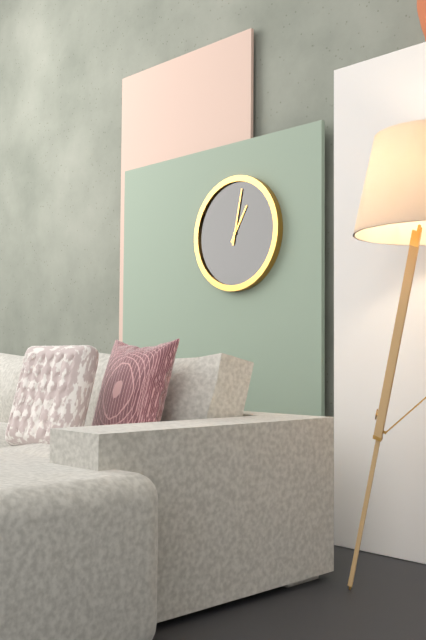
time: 1:02
